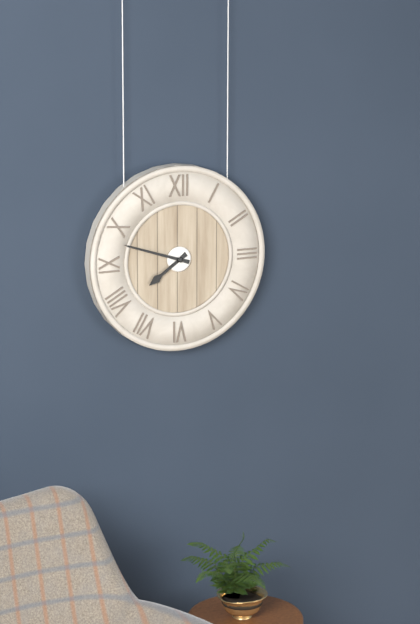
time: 7:48
